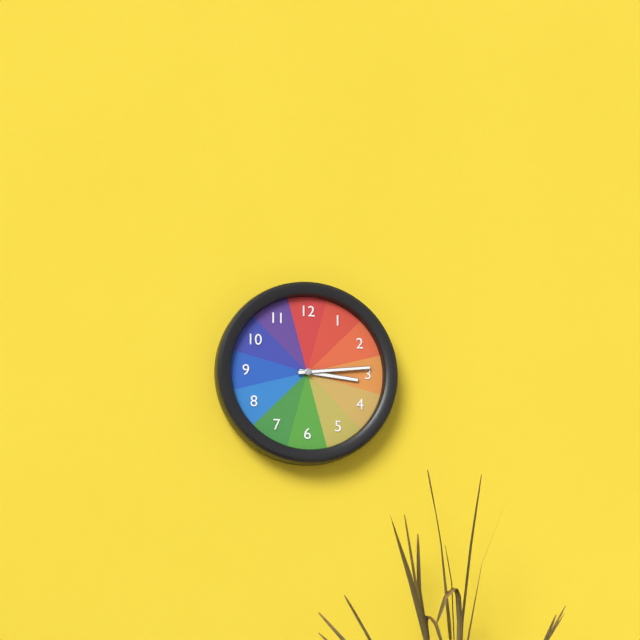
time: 3:14
